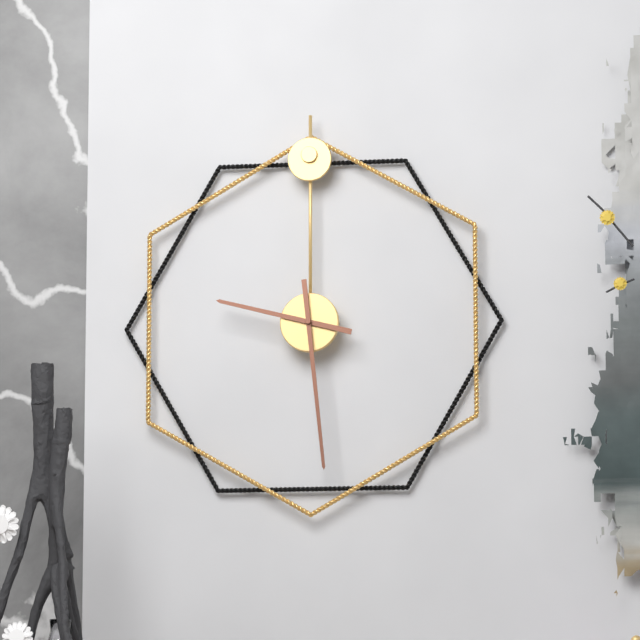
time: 9:29
